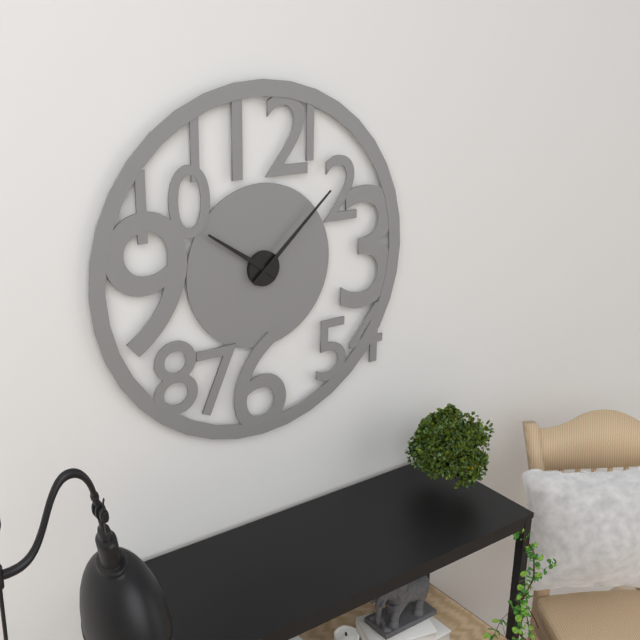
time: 10:08
